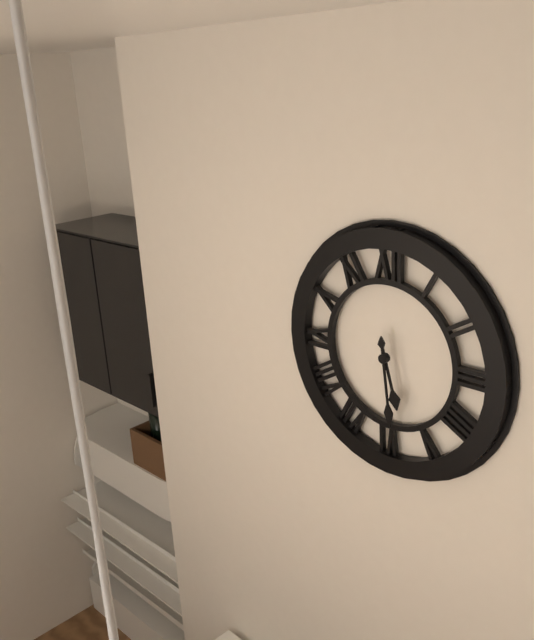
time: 5:29
